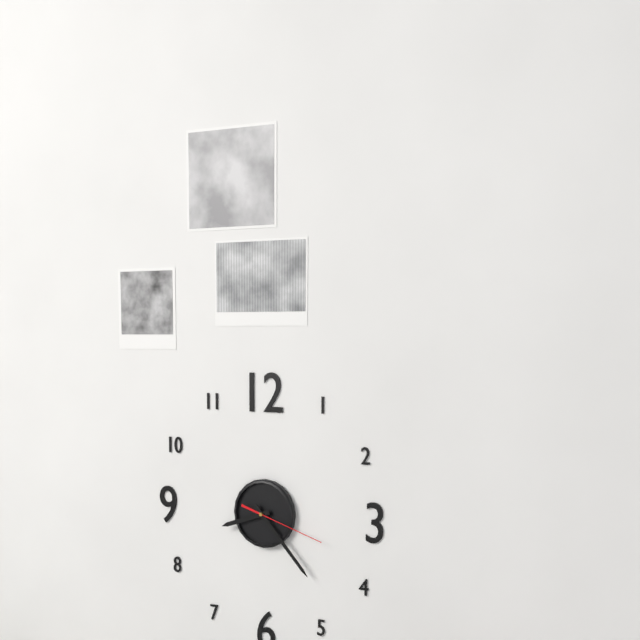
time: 8:23:18
